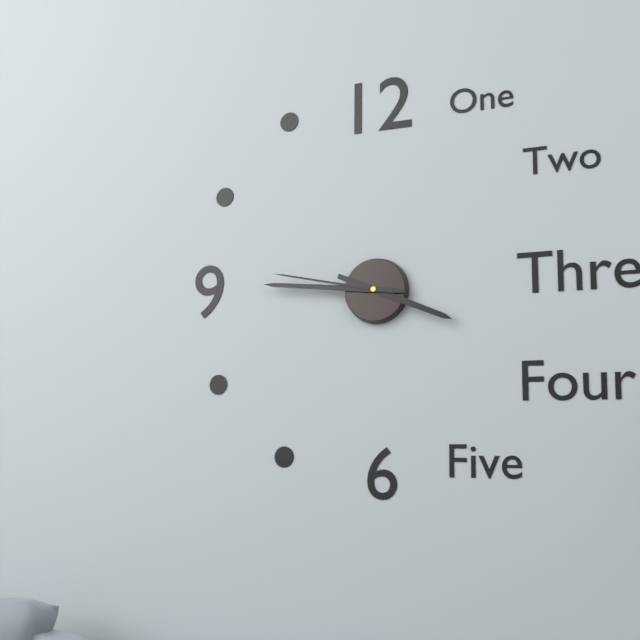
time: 3:46:47
